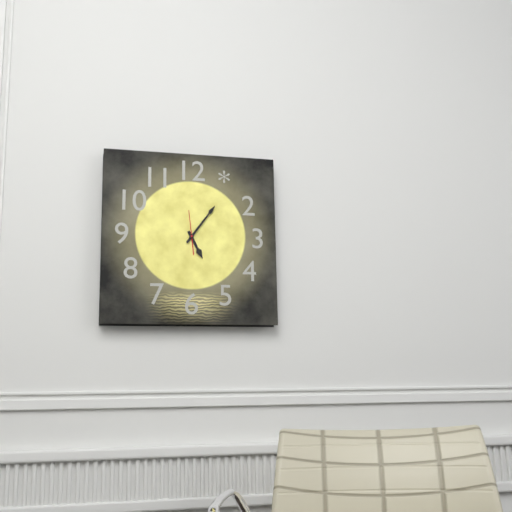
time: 5:06
